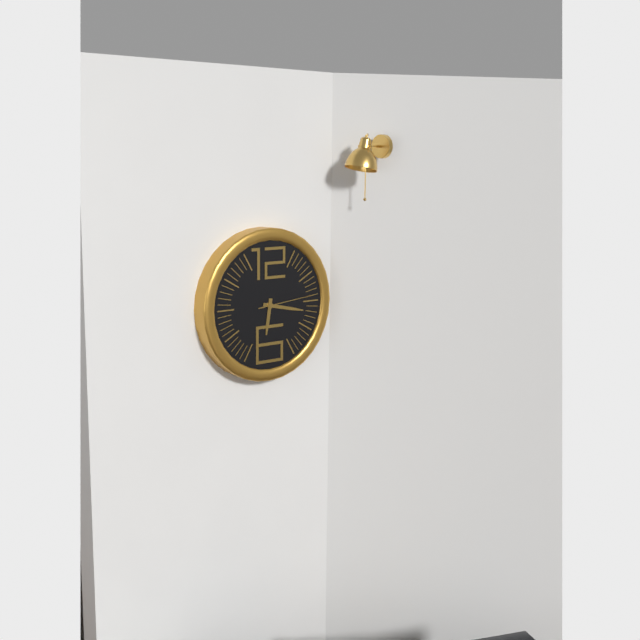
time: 6:17:14
